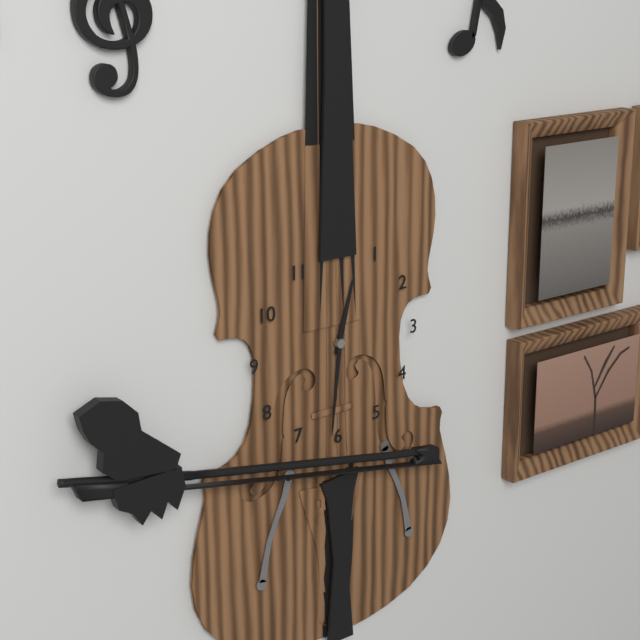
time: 12:31
